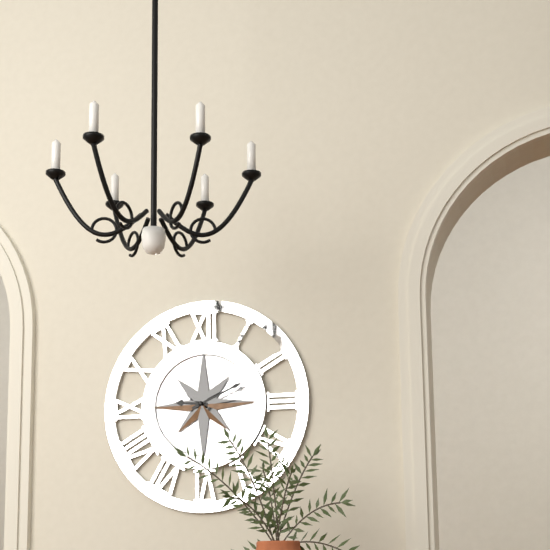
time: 9:11
